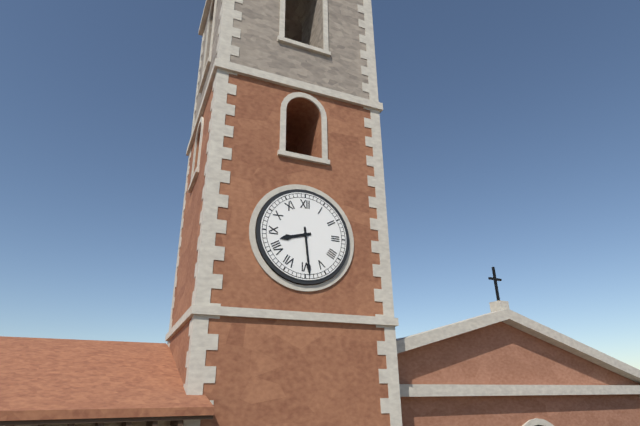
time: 8:29
